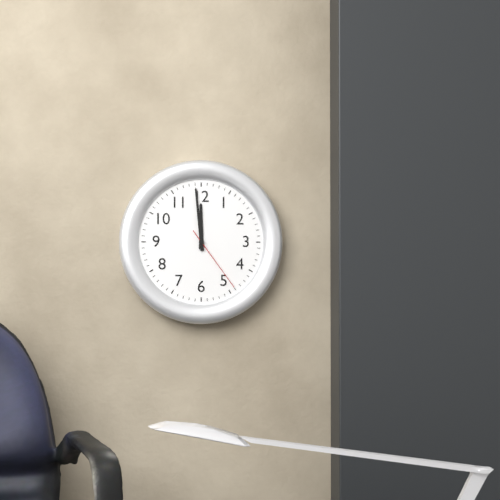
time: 11:59:24
